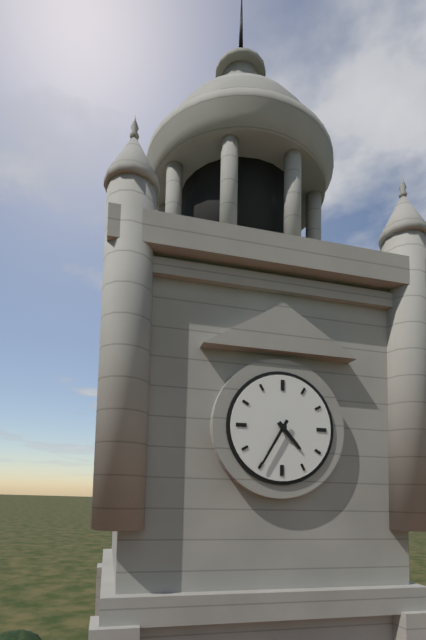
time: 4:35
